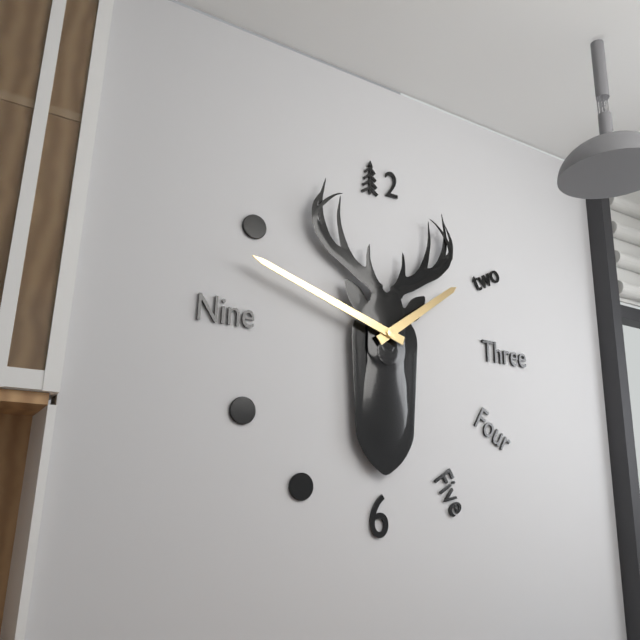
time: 1:48
